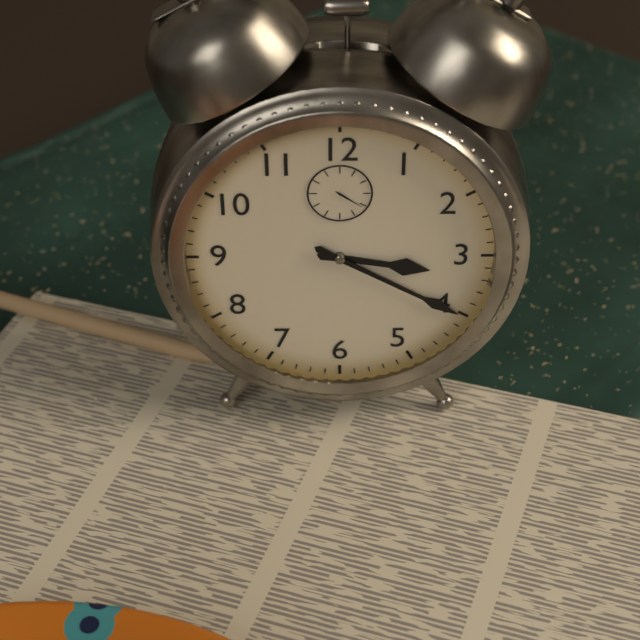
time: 3:20
